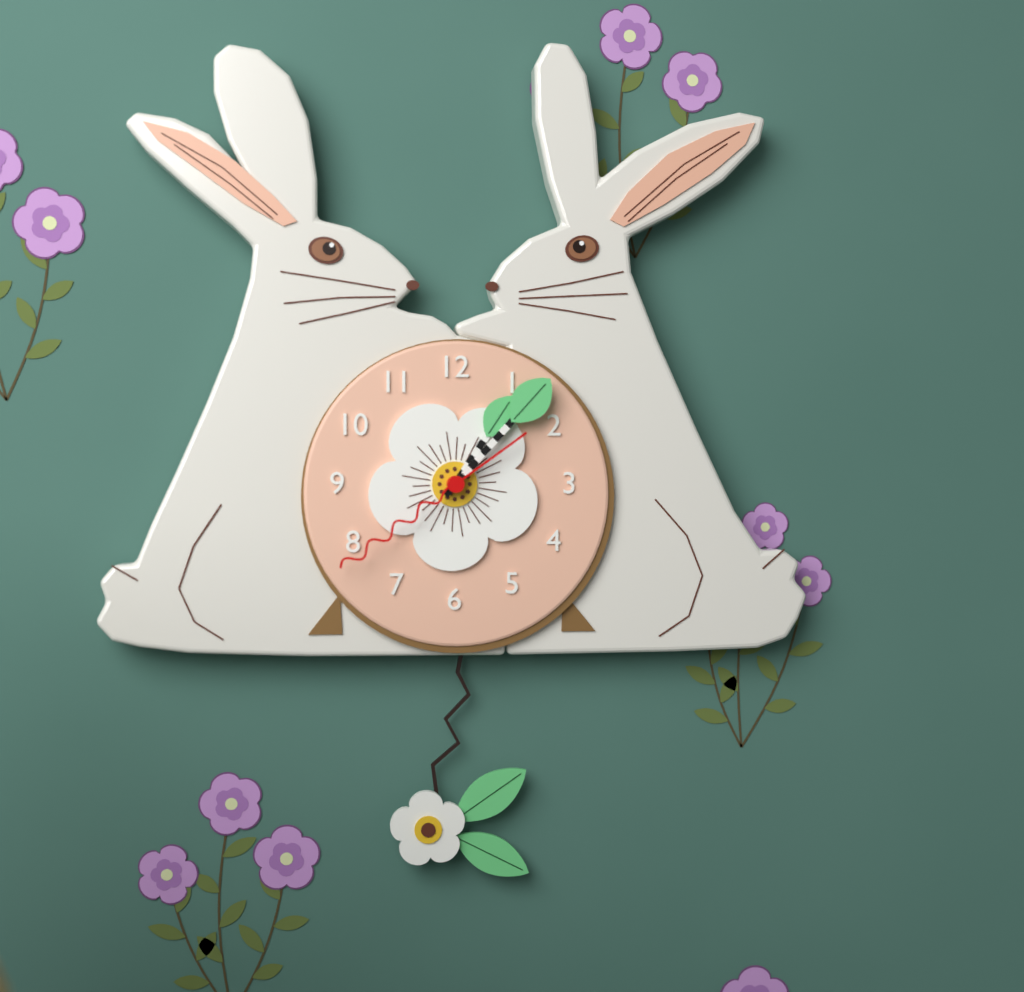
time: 1:07:39
